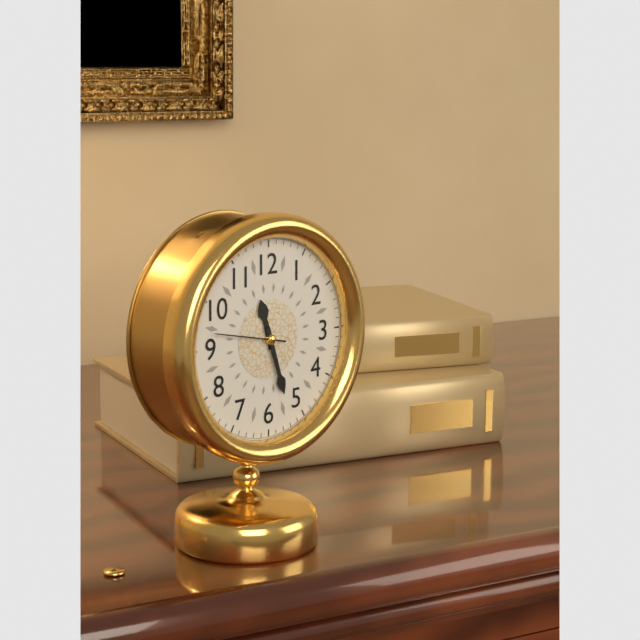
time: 11:27:47
